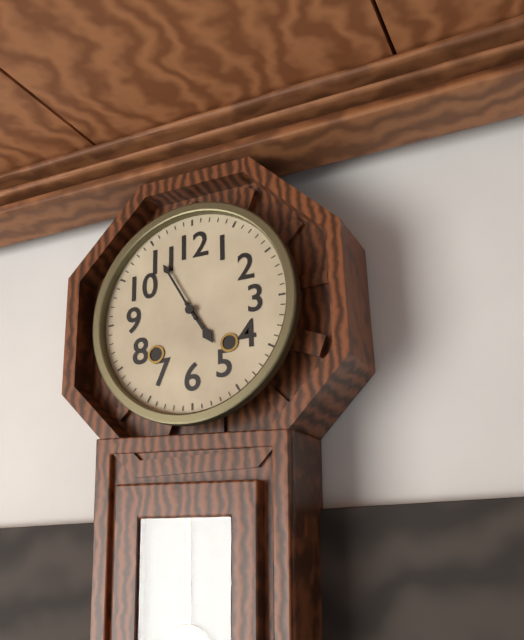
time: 4:55
